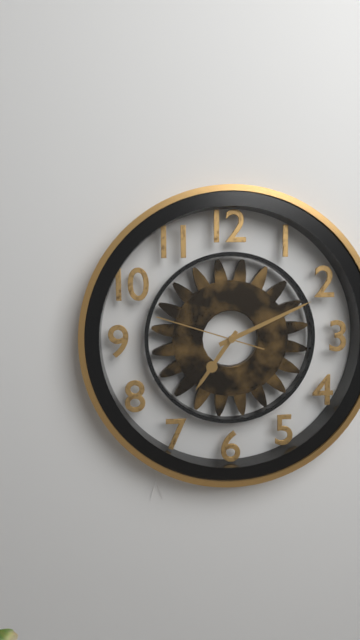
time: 7:11:48
